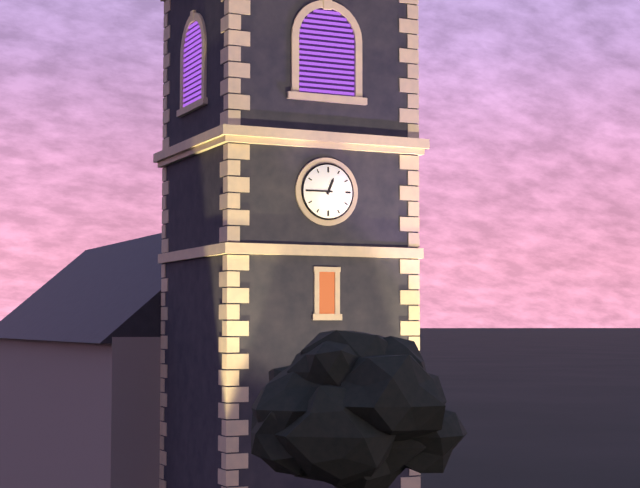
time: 12:45
